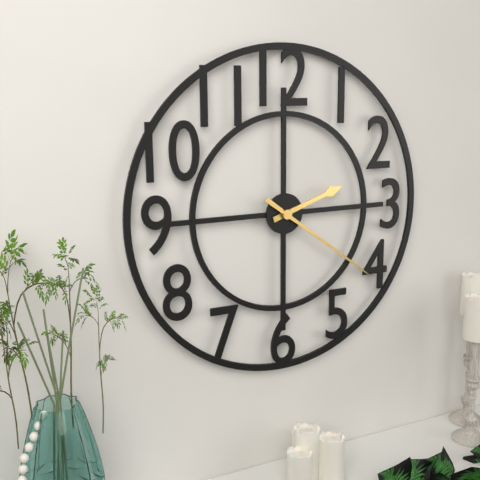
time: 2:21
